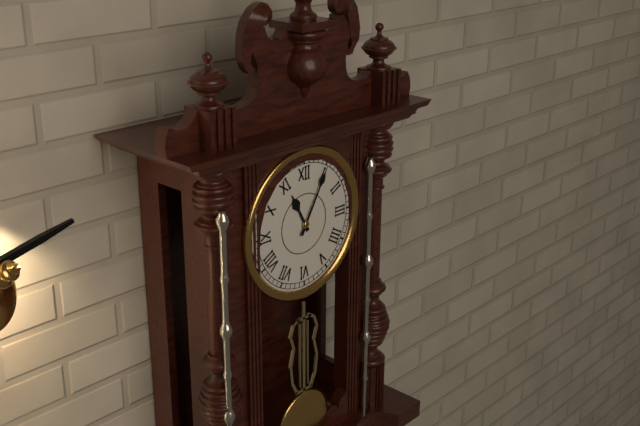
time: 11:05
